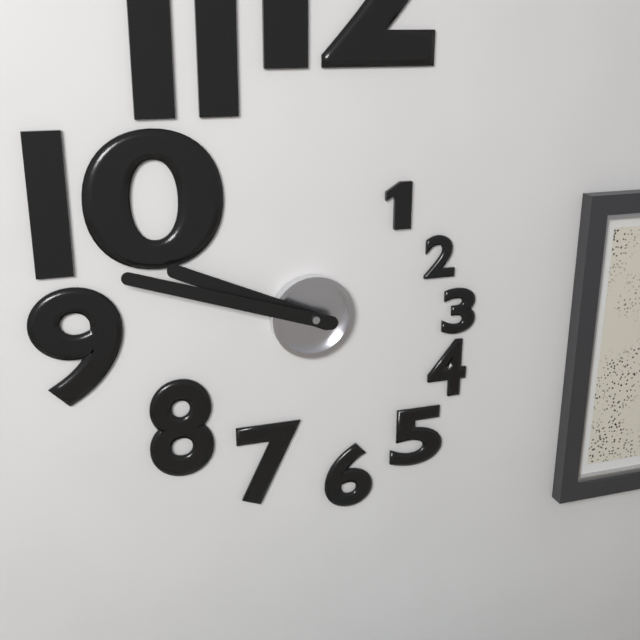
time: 9:48
